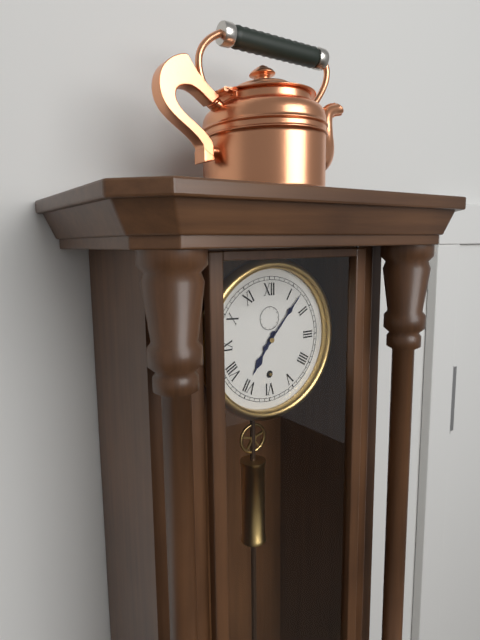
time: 7:07
